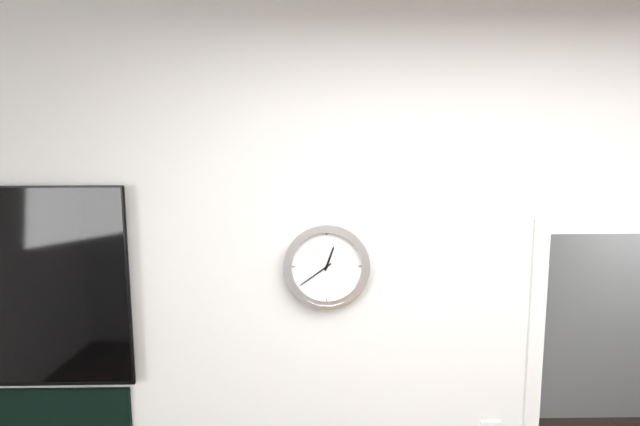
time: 12:39
